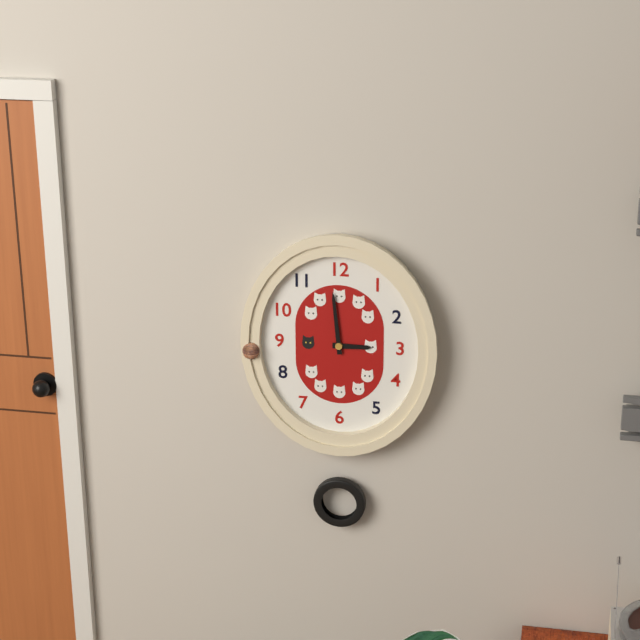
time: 2:59
